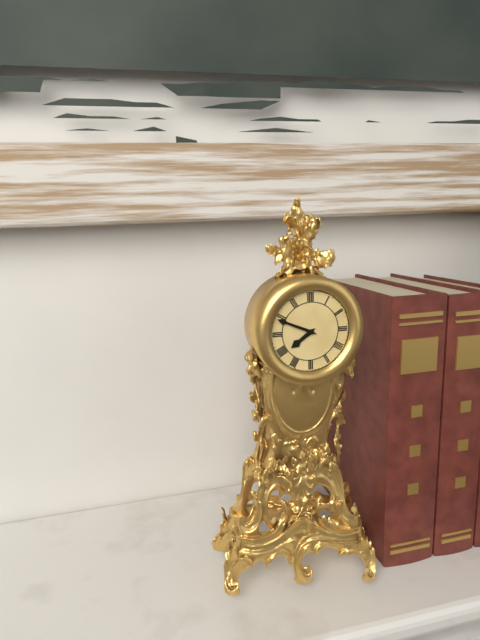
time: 7:49
